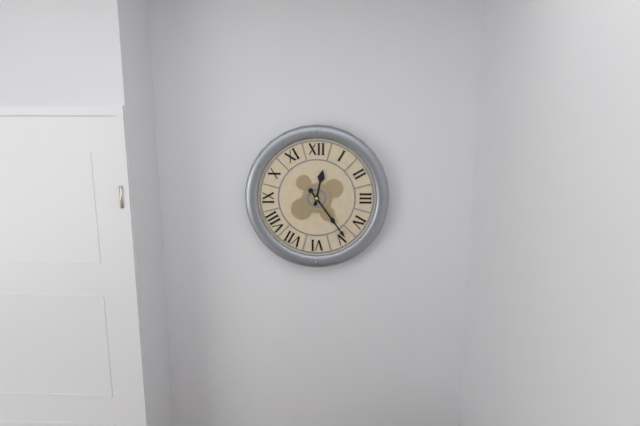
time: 12:24
